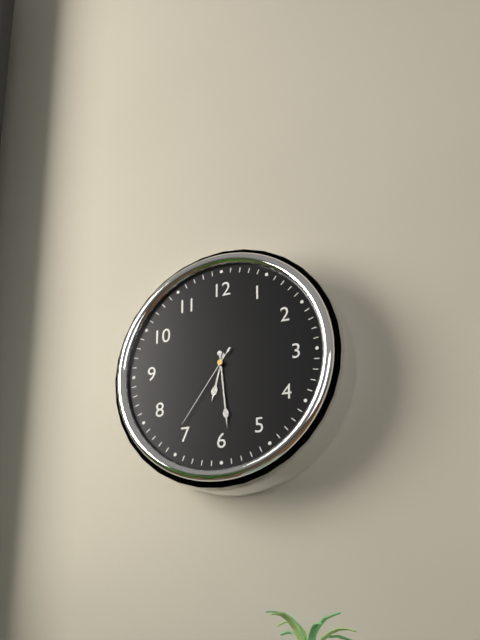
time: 6:29:36
